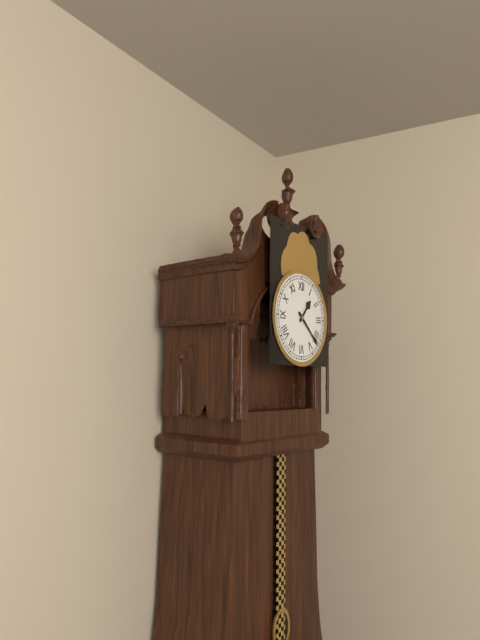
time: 1:22
